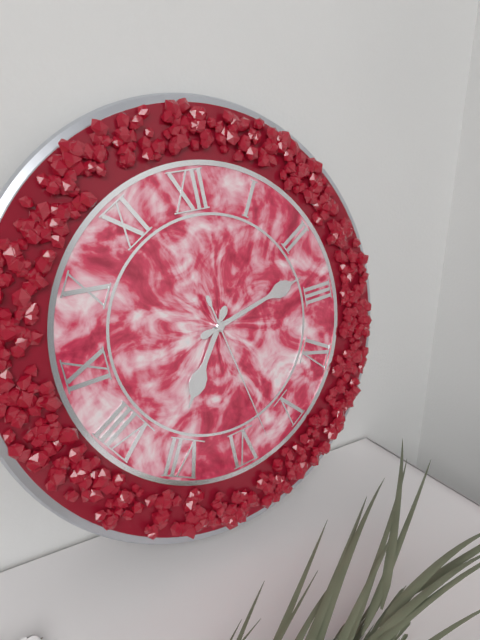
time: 7:13:28
